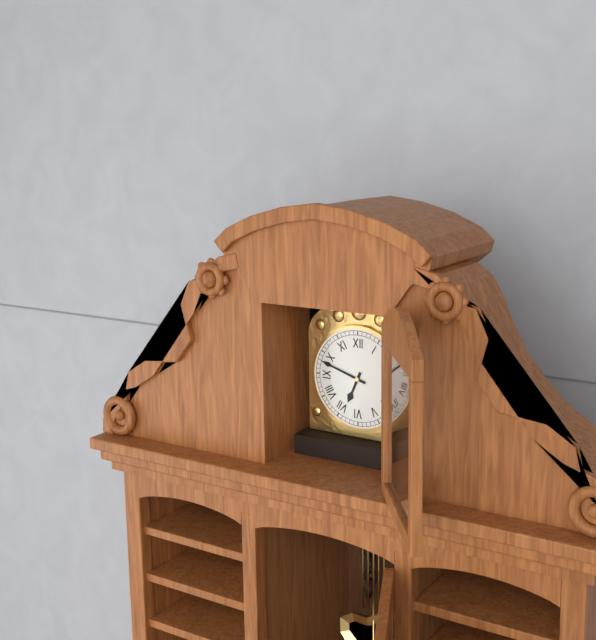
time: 6:48
